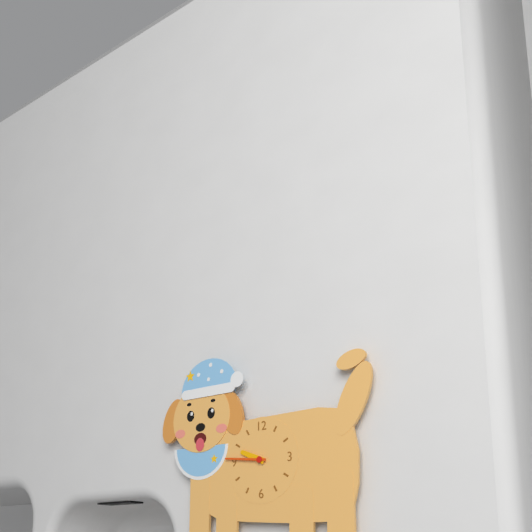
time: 9:46
